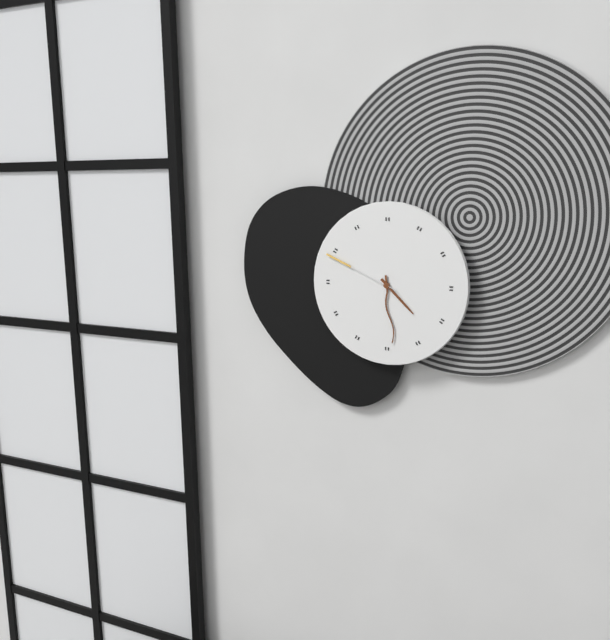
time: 4:29:49
